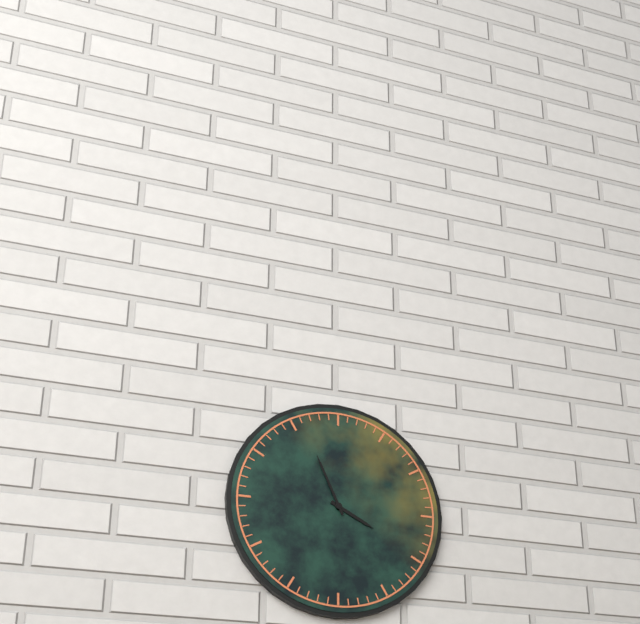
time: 3:56
